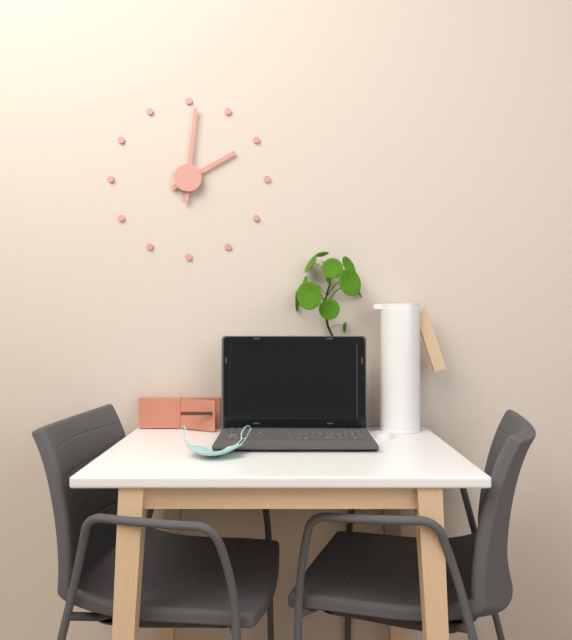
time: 2:01
